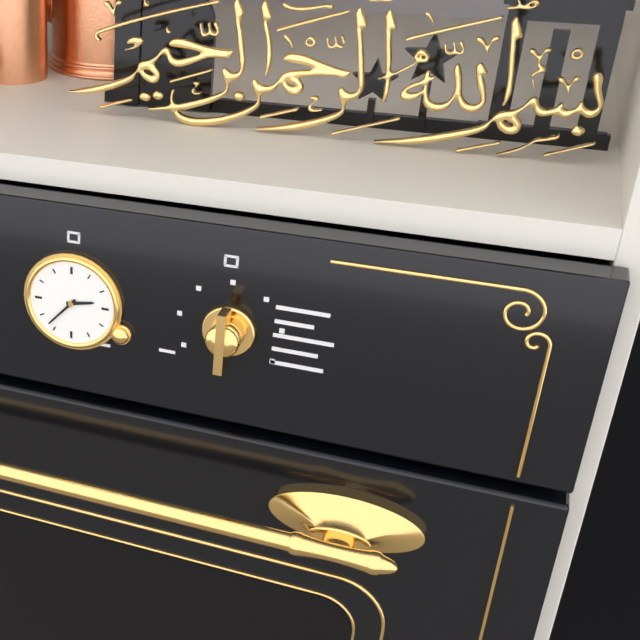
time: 2:37
